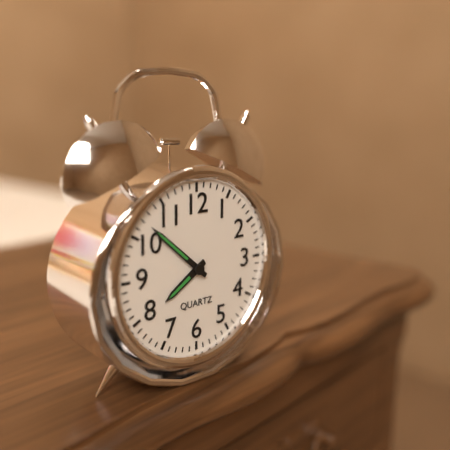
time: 7:52
